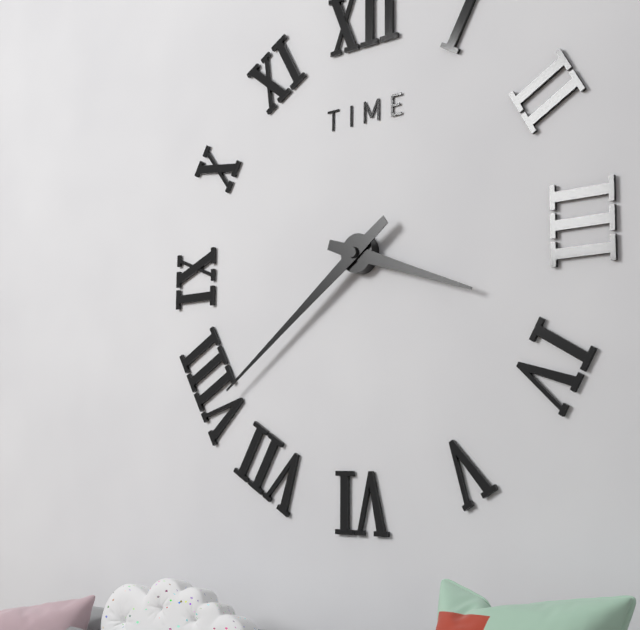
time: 3:39
